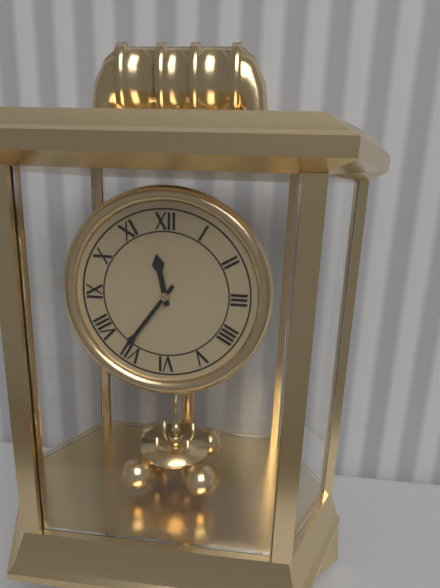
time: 11:36
